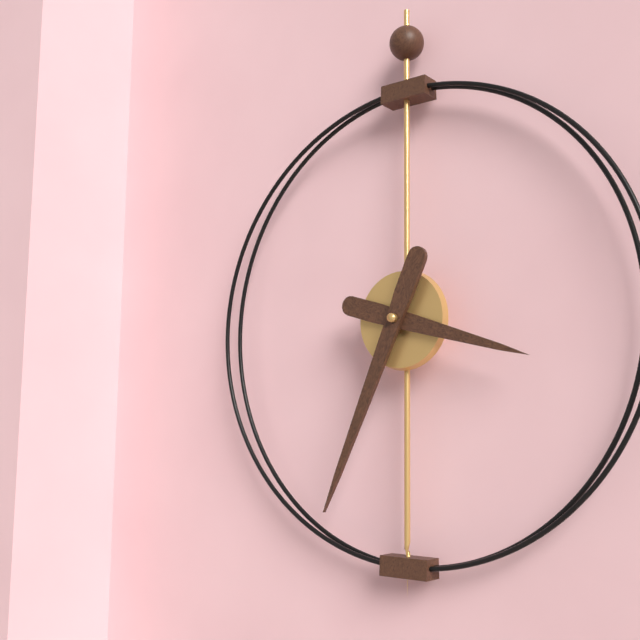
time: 3:34
